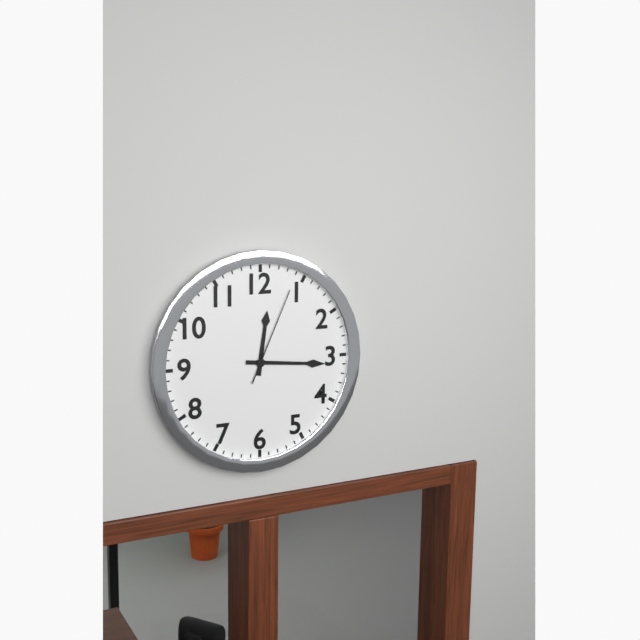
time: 12:16:04
